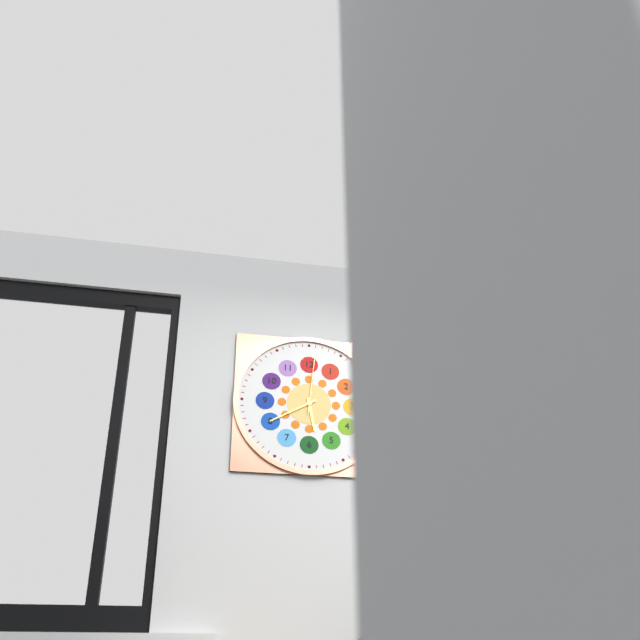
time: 5:40:01
